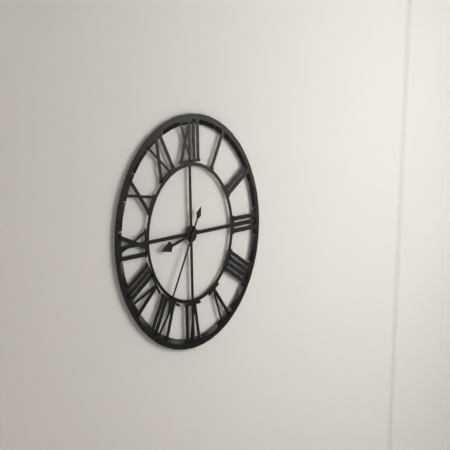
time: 8:35
